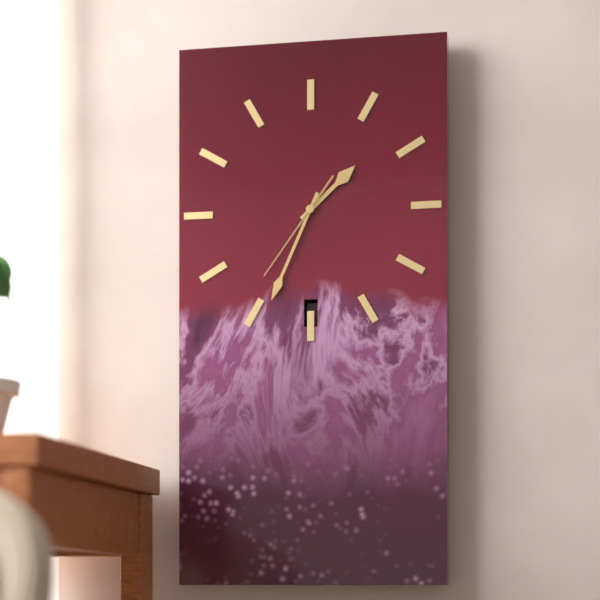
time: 1:34:36
